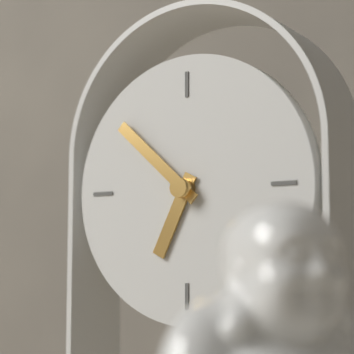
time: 6:52
